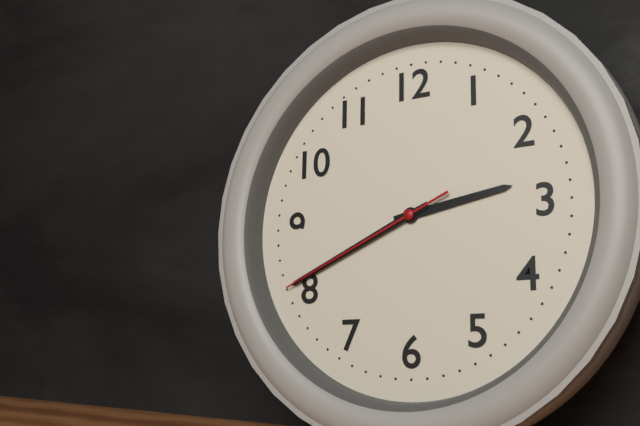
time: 2:41:41
